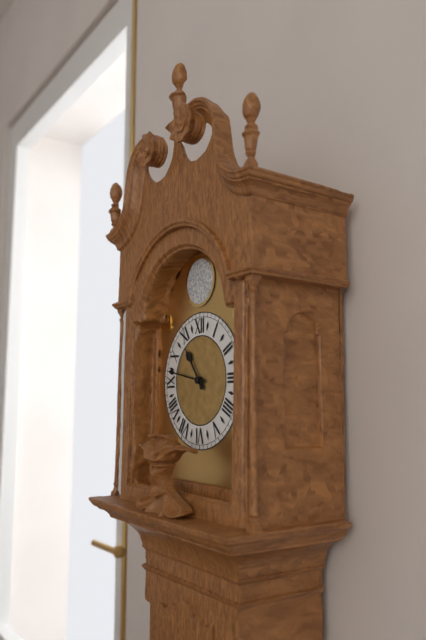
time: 10:47
